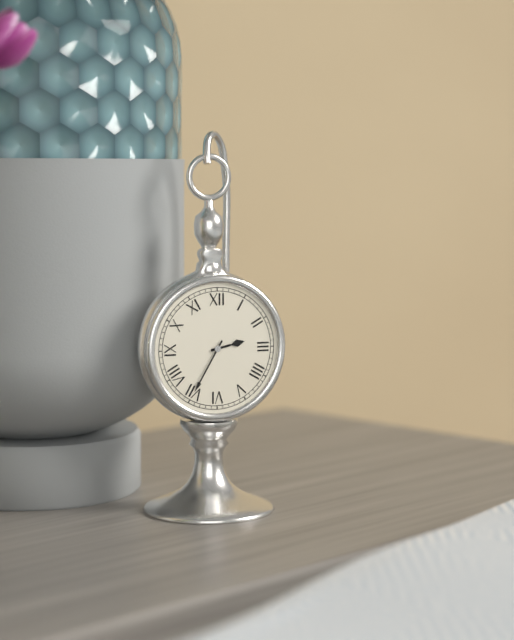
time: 2:35
